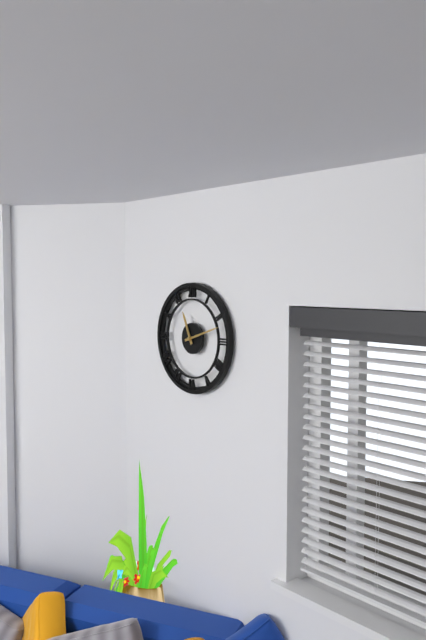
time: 11:12
